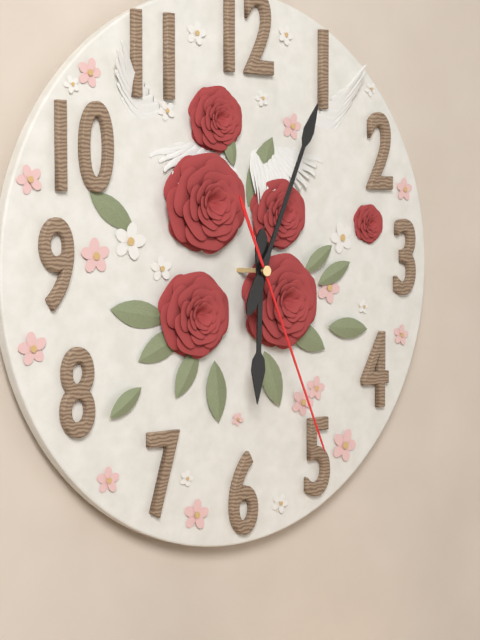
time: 6:04:26
